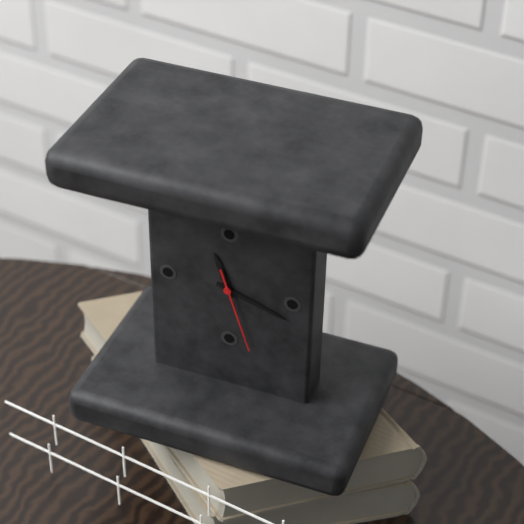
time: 11:18:27
